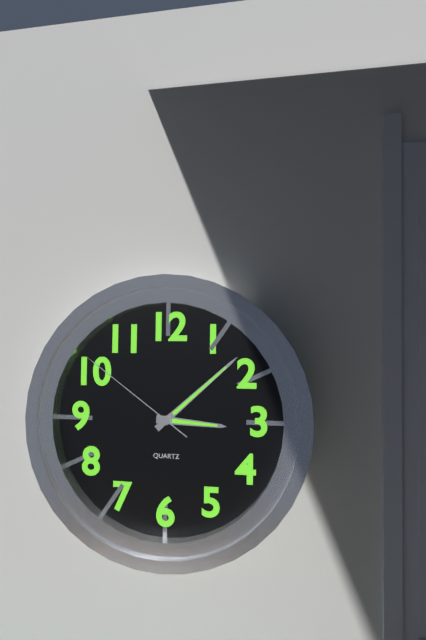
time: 3:08:51
